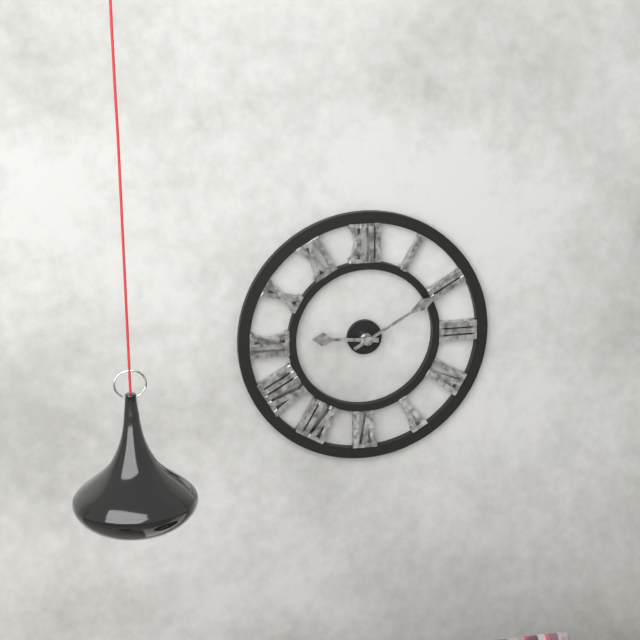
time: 9:10
